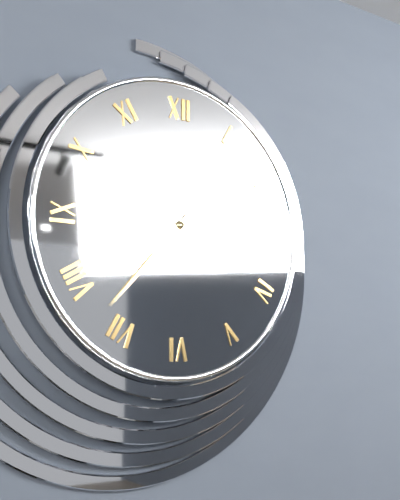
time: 7:37
